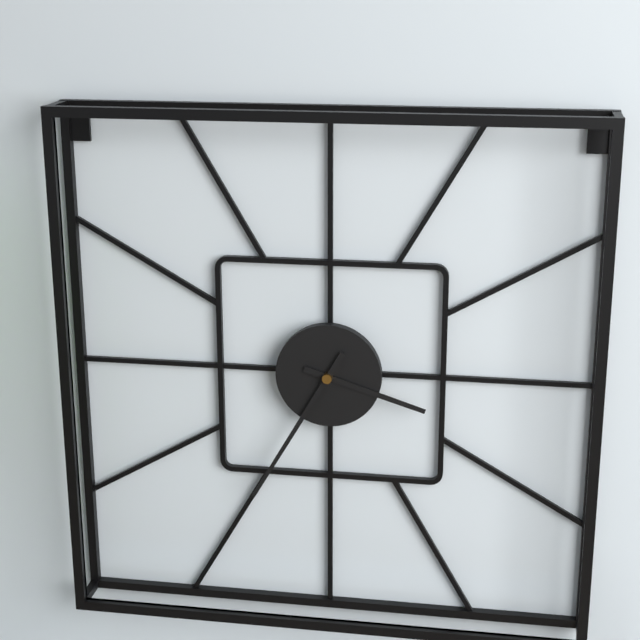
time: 3:35
